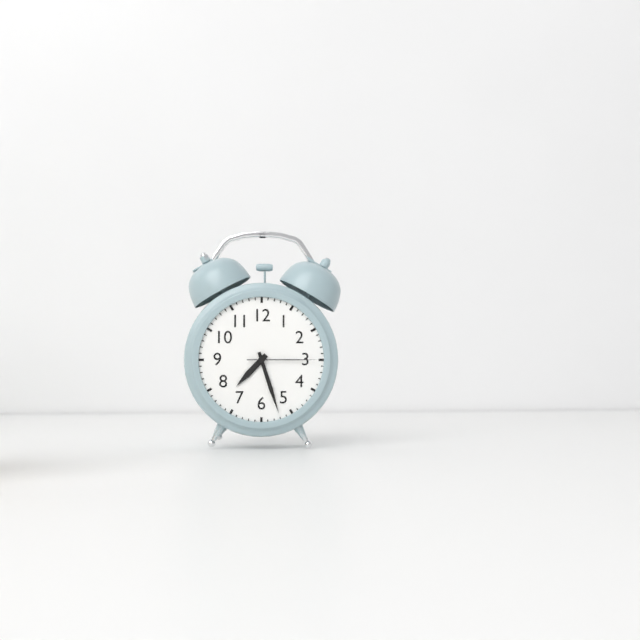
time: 7:27:15
